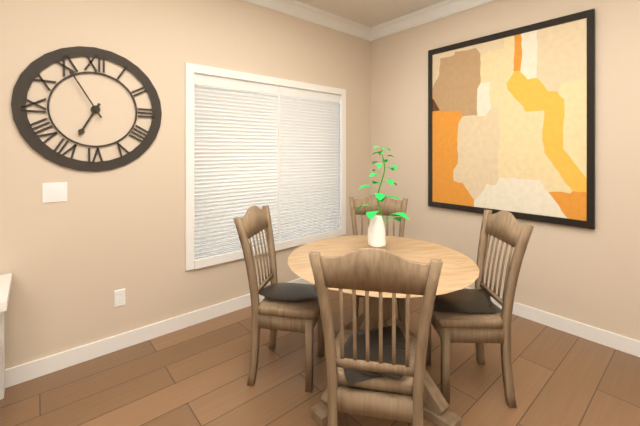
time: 6:55
